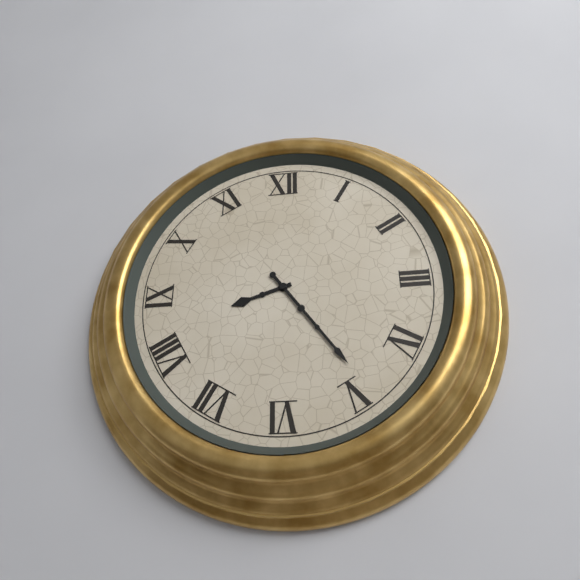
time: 8:24
